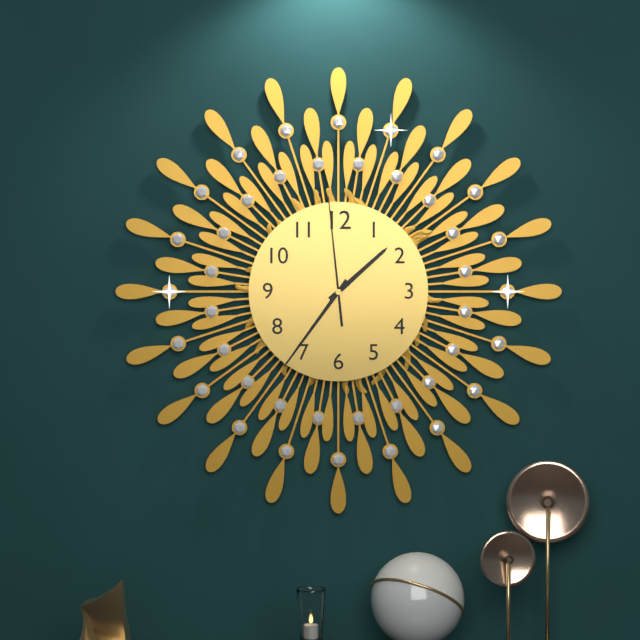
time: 1:36:59
